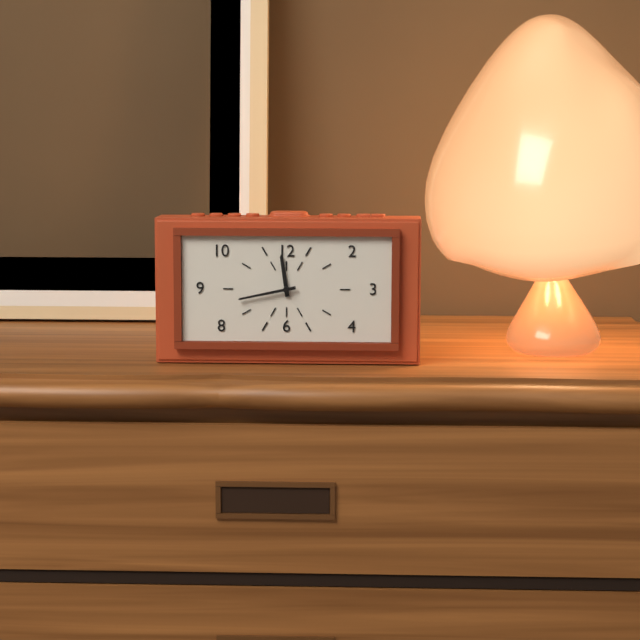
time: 11:43
